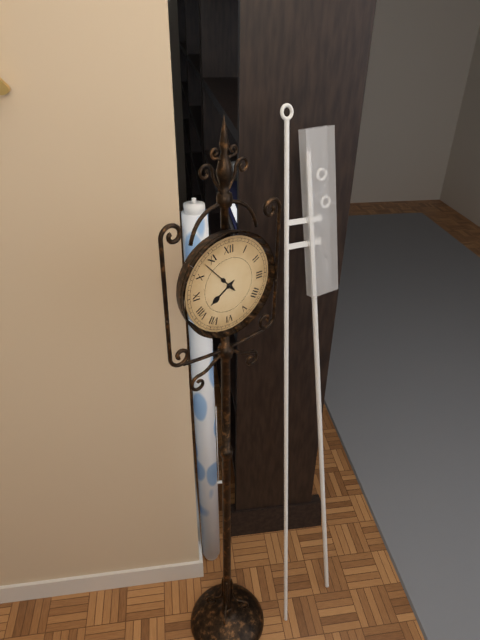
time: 7:53
